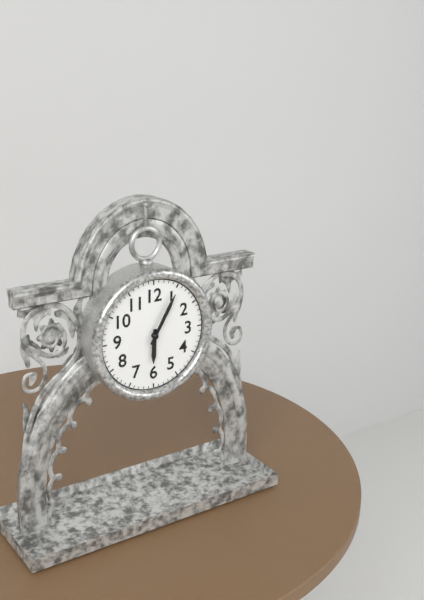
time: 6:05
